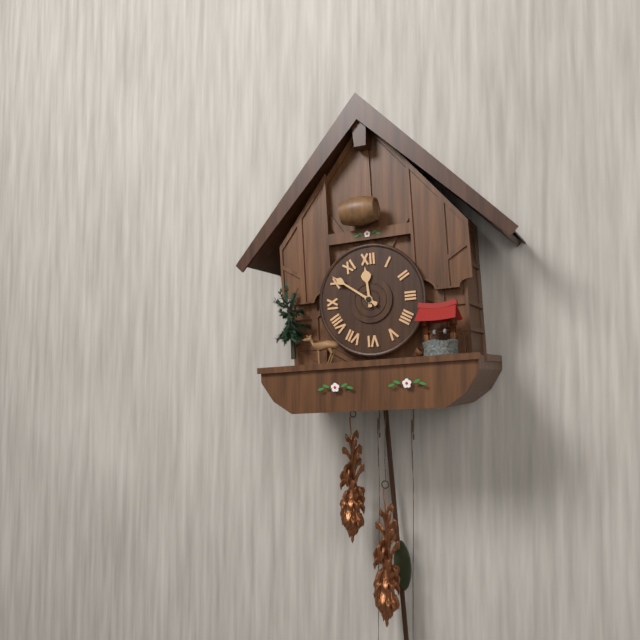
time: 11:51
